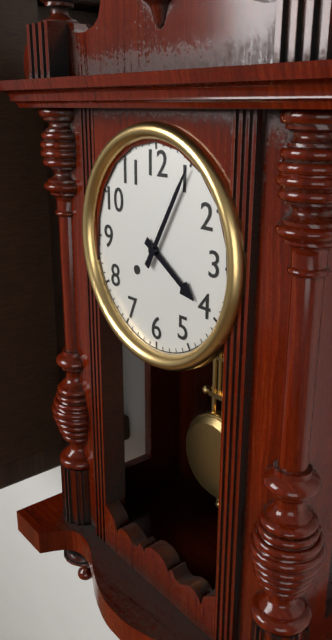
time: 4:05
